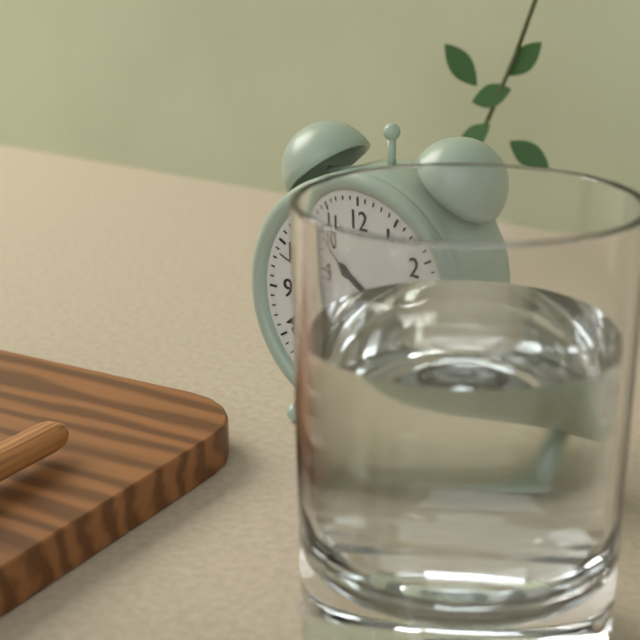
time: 9:41:49
